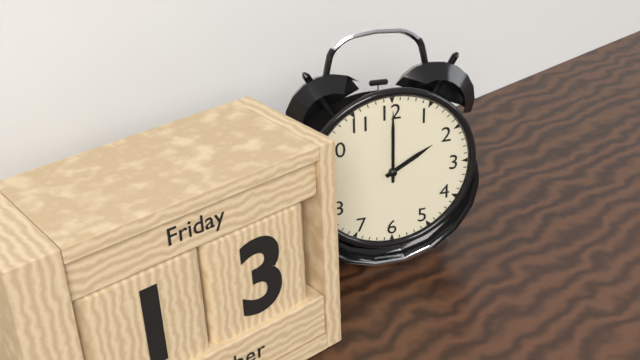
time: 2:00
